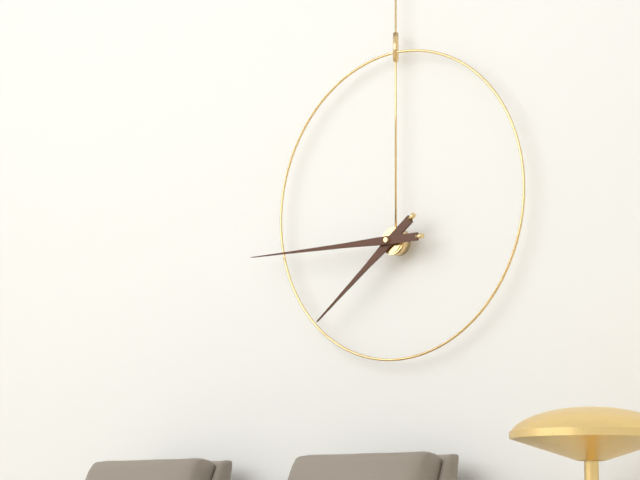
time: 7:45
